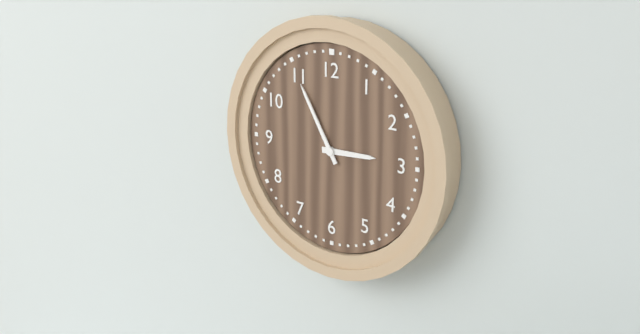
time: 2:55
